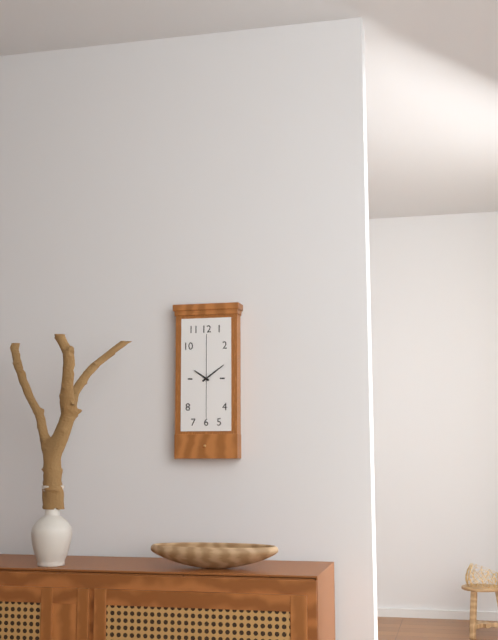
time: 10:09
